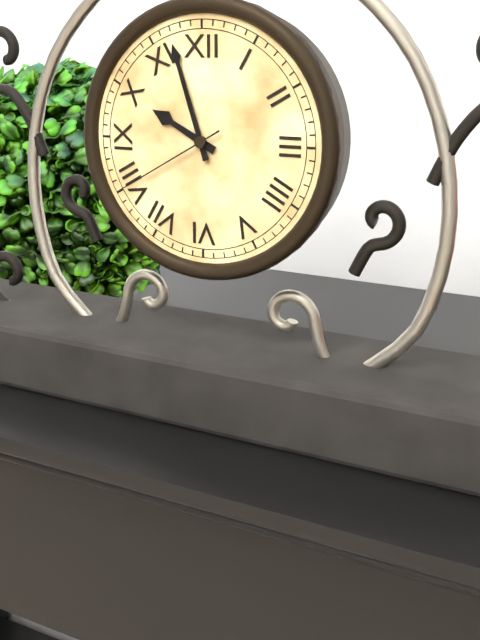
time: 9:57:40
